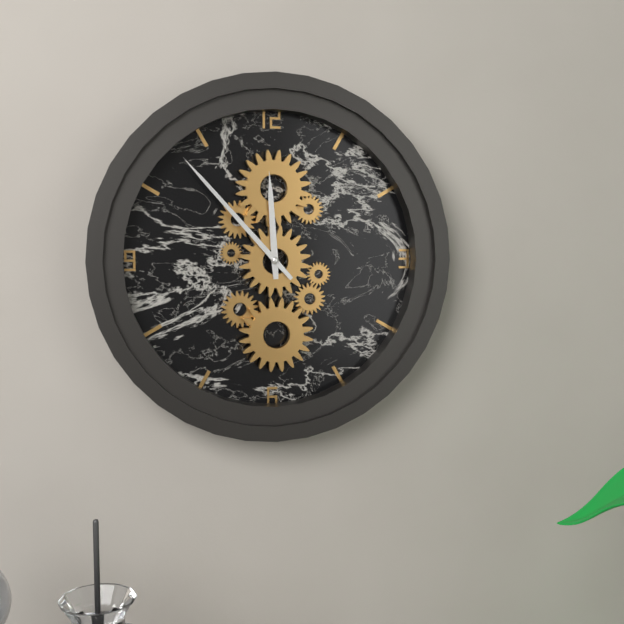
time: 11:53
